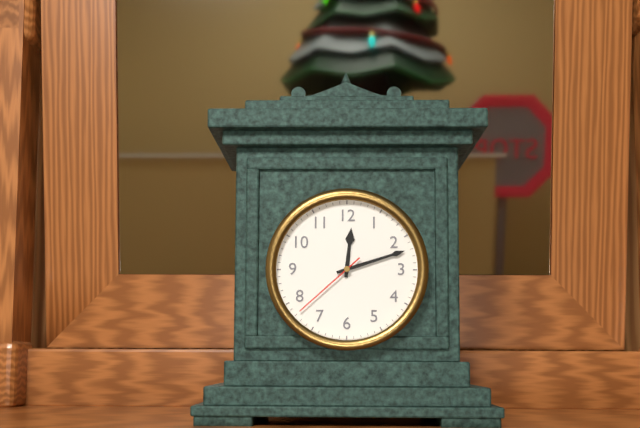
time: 12:12:38
